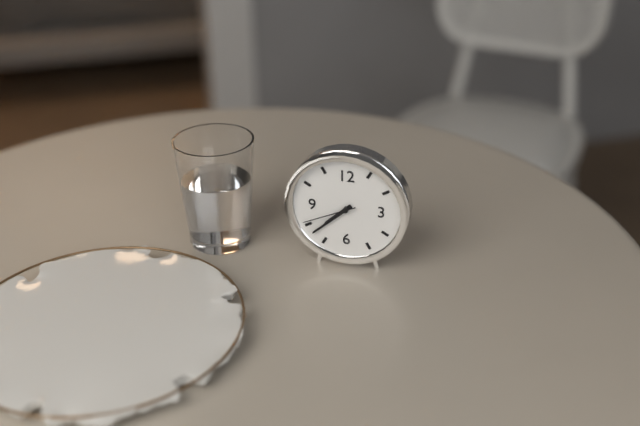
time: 7:38:41
